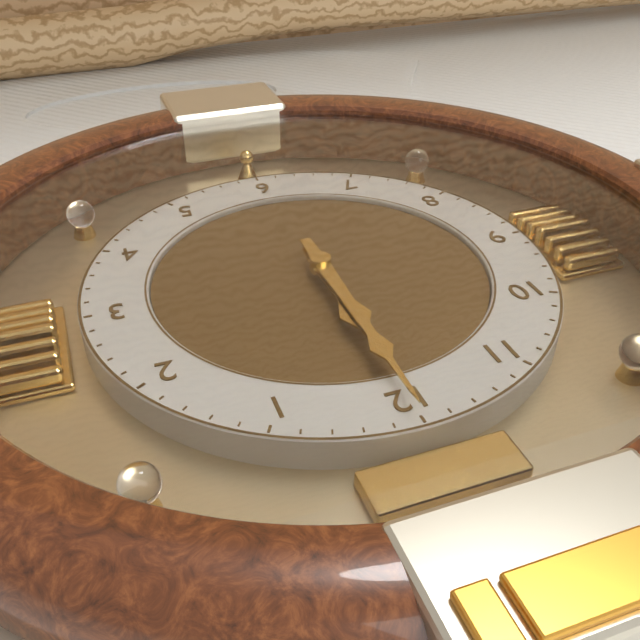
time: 12:00
